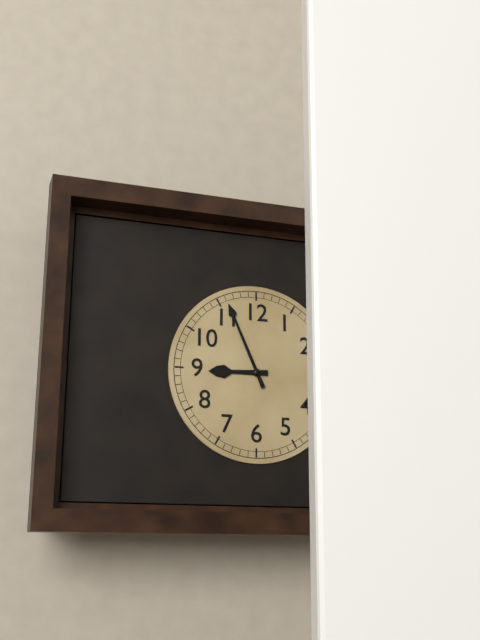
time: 8:56
